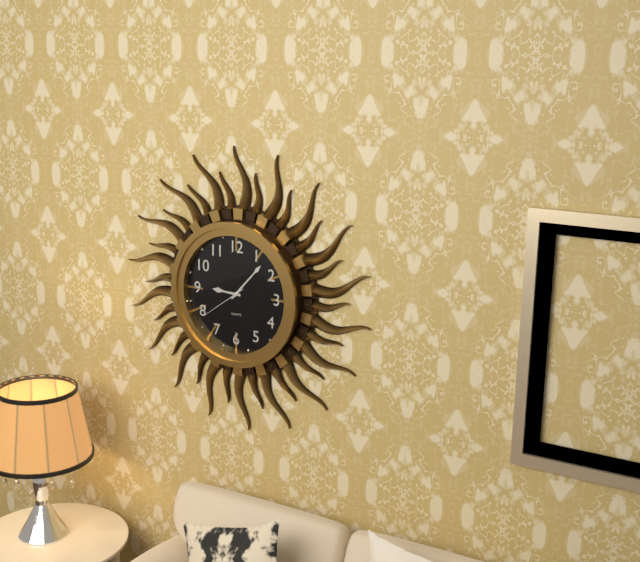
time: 9:07
